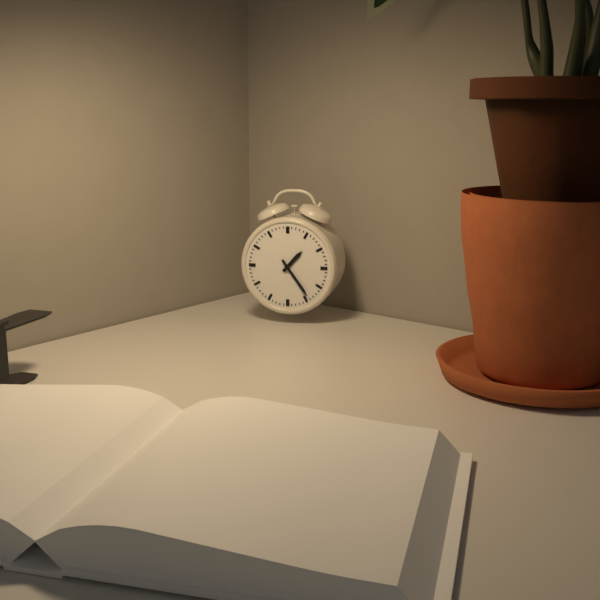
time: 1:24
